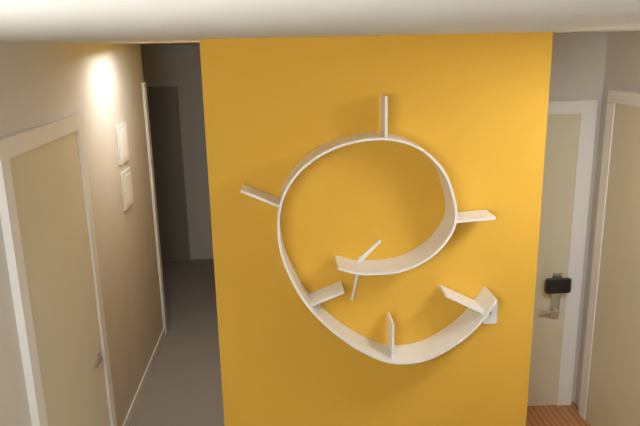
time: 1:32
